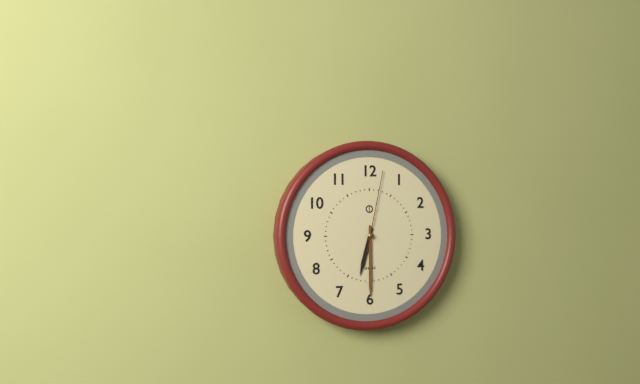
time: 6:30:02
